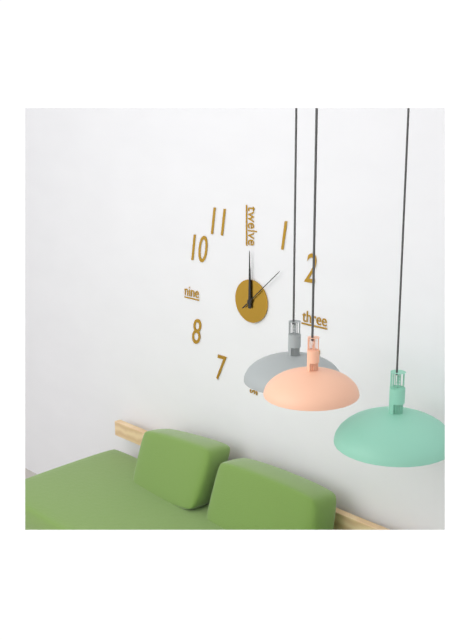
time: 12:00:08
